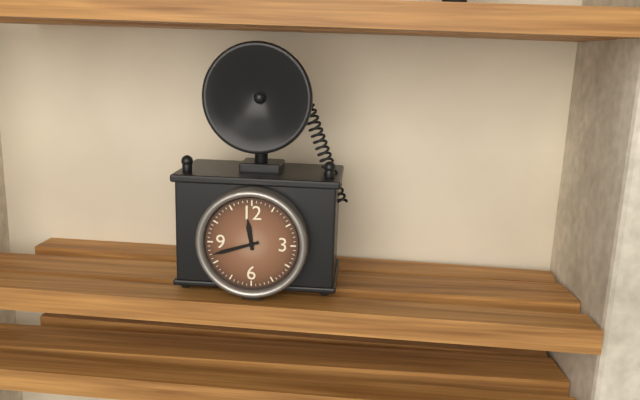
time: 11:42
